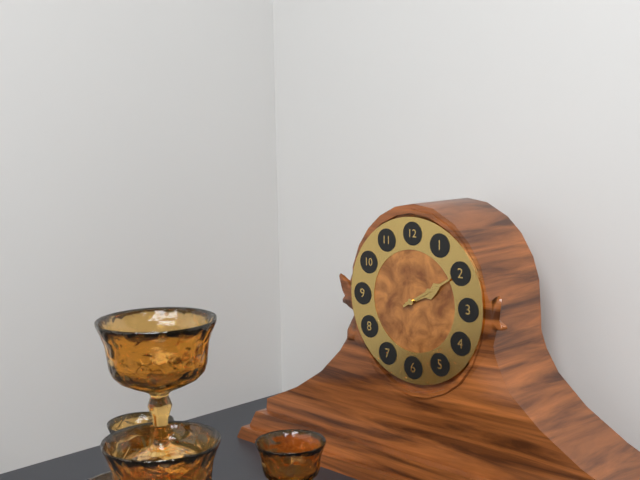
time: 2:10
